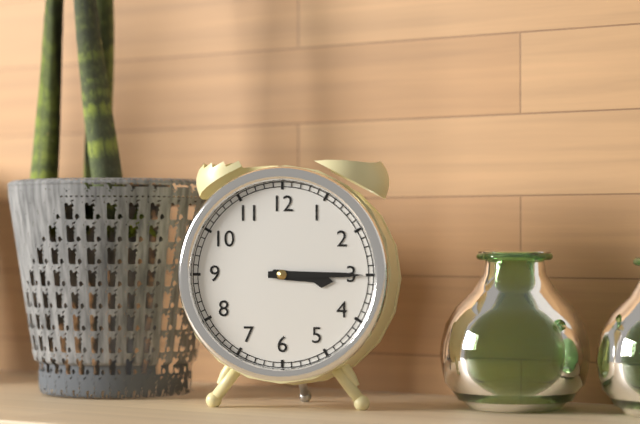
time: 3:15
